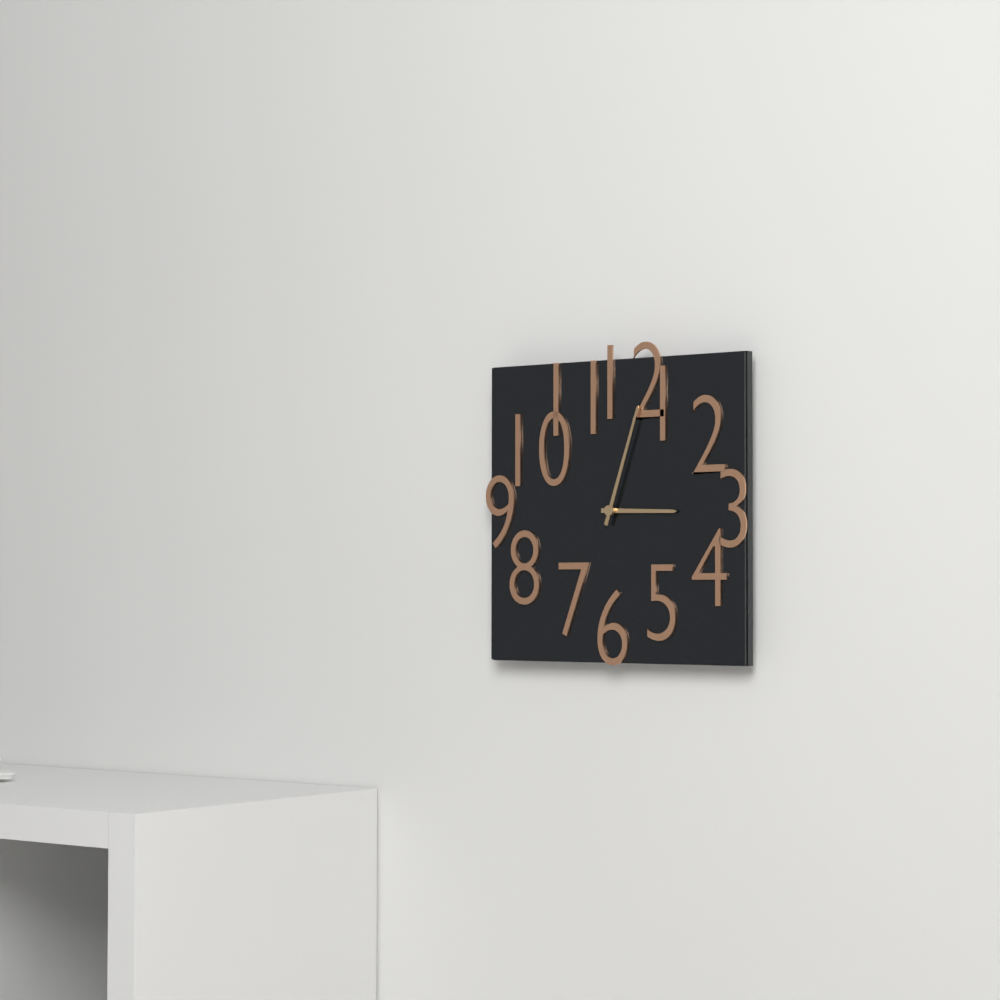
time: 3:03
